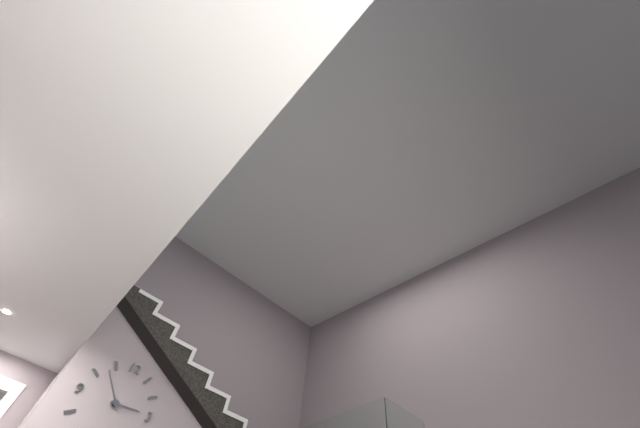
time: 2:53
